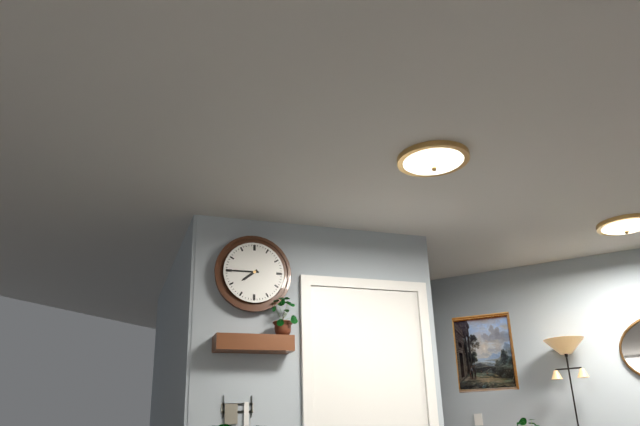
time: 7:45
